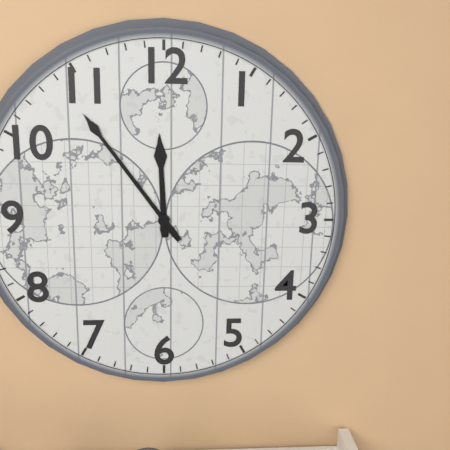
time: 11:54
